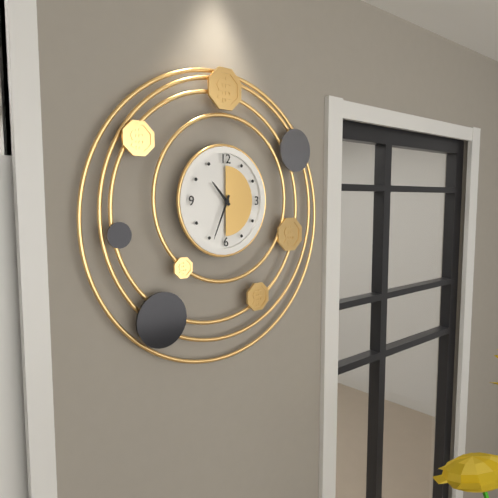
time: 10:34
